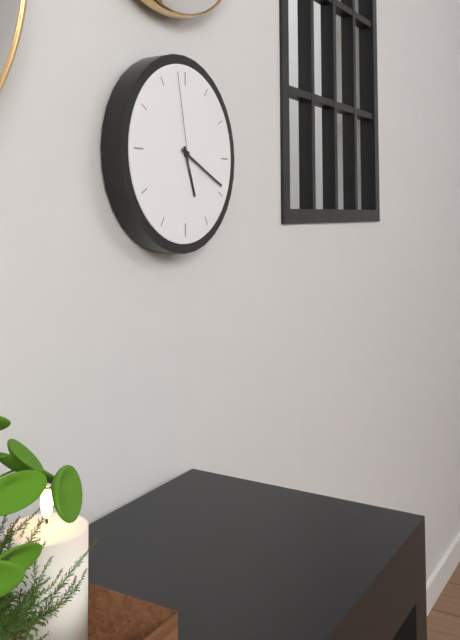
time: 5:19:58
